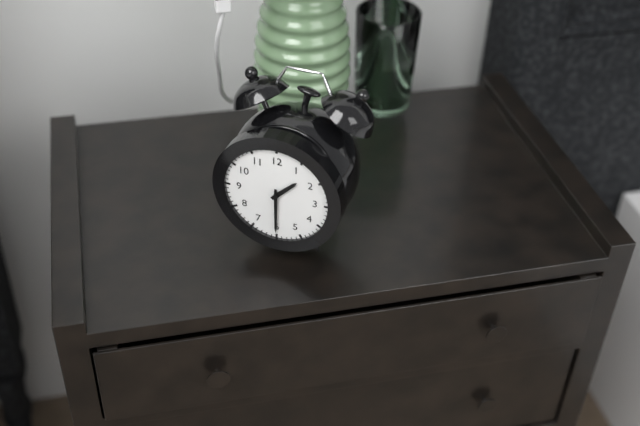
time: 1:30
